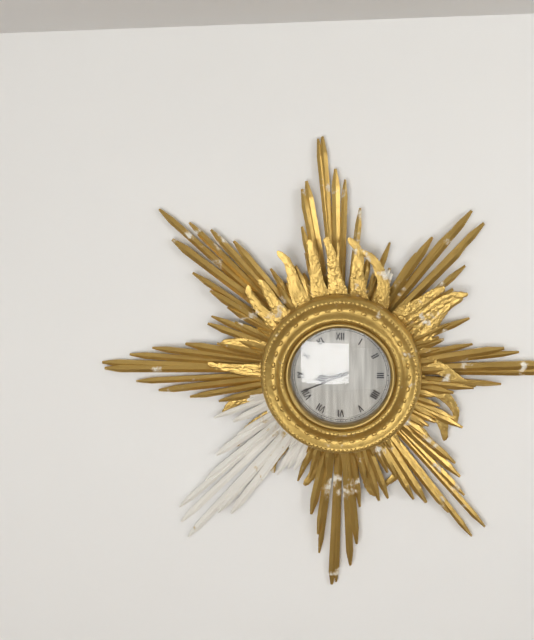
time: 8:41
